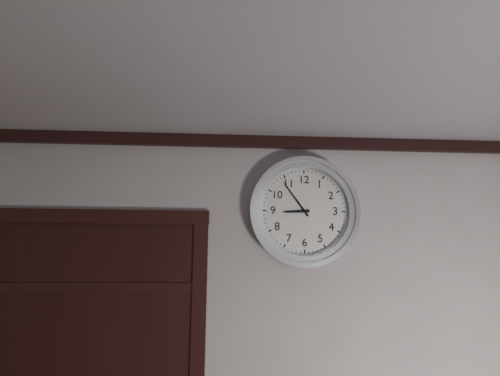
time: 8:54
